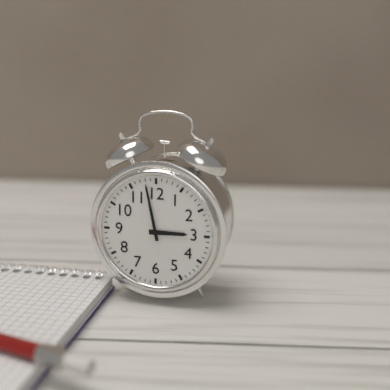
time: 2:58
